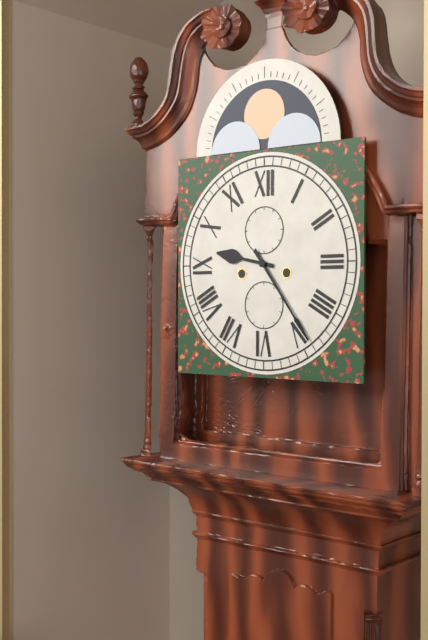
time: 9:24
